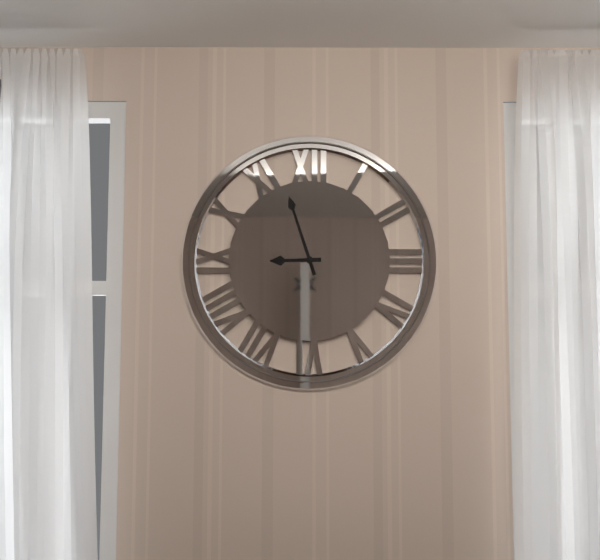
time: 8:57
